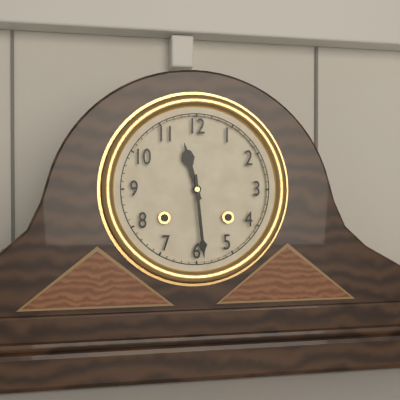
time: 11:29
